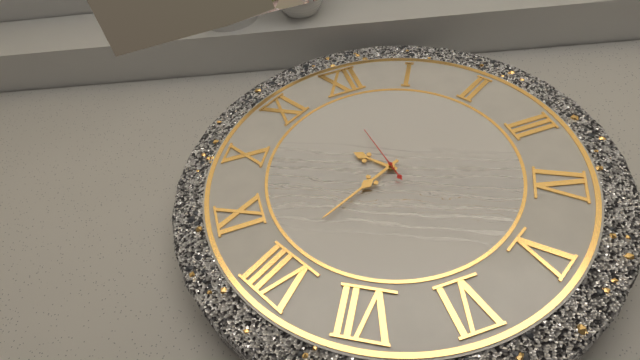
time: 10:41:59
